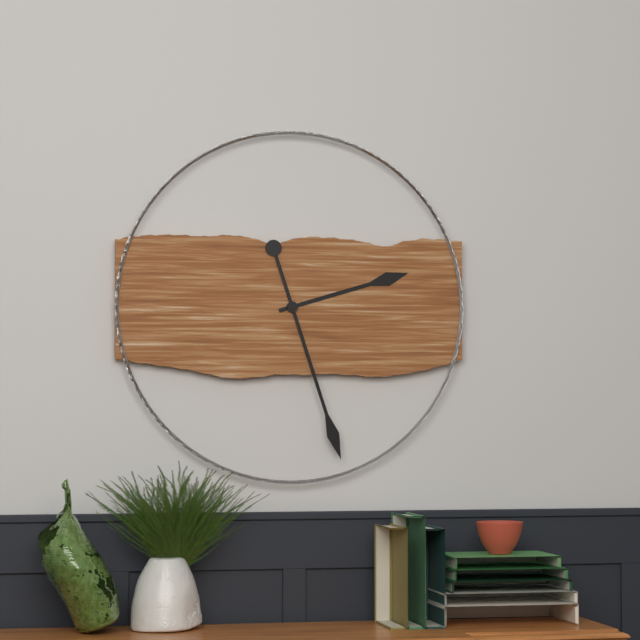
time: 2:27
